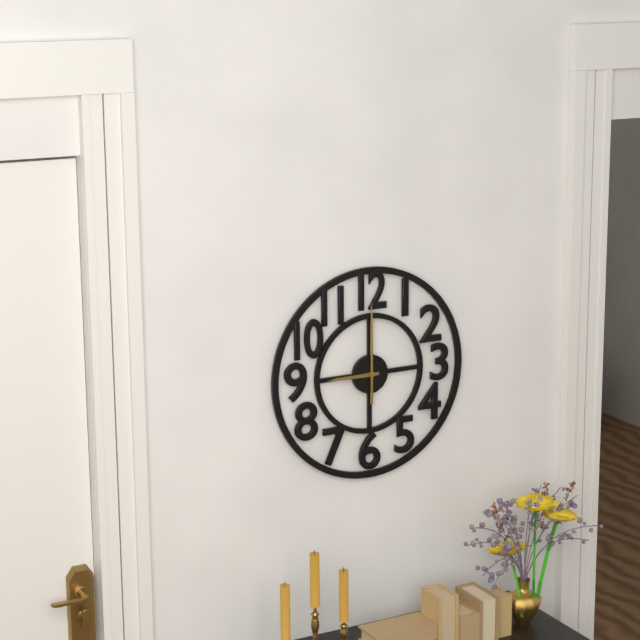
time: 9:00
